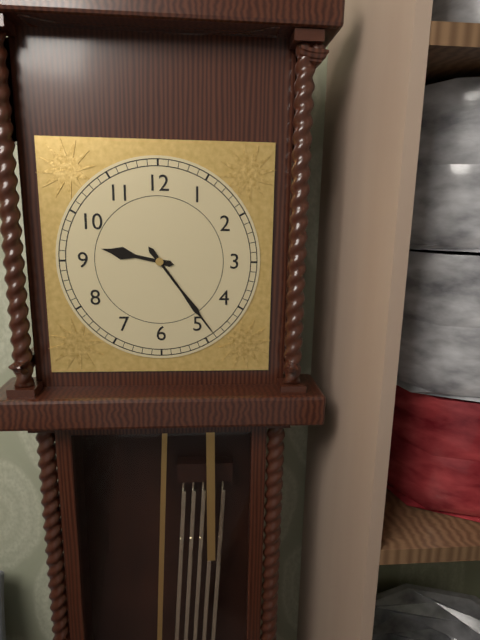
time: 9:24
